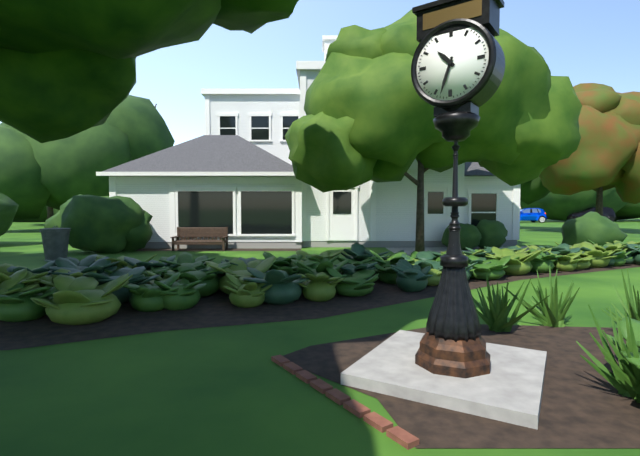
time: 10:33
